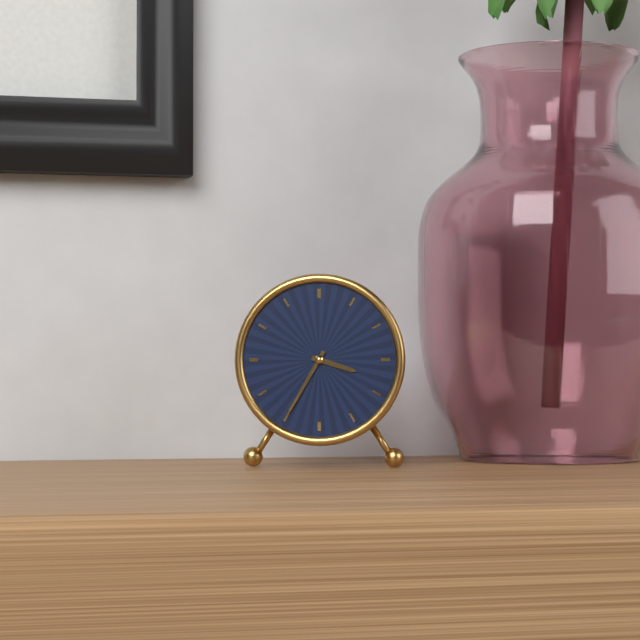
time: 3:35
